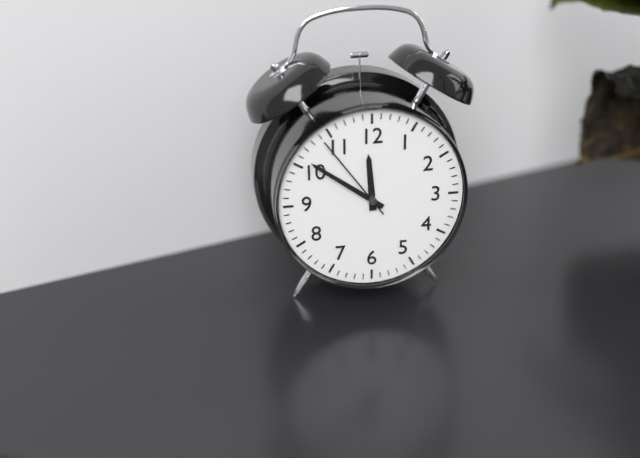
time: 11:51:54
